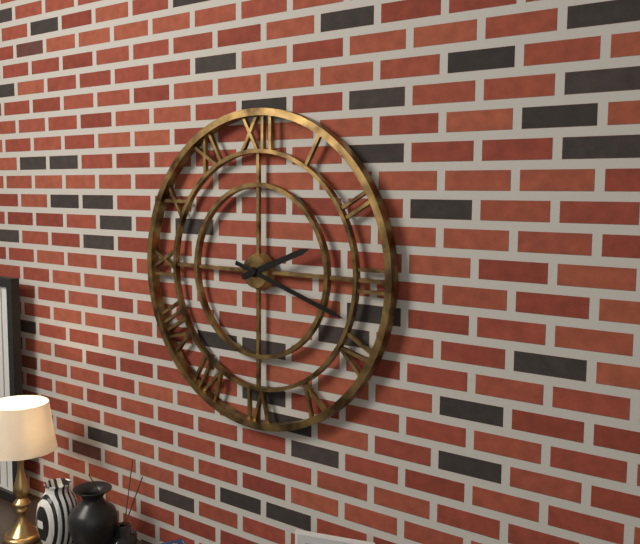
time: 2:18
